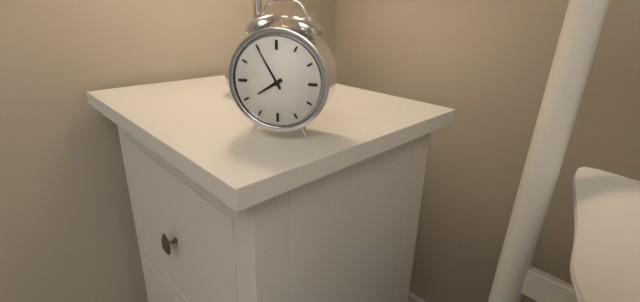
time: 7:55
